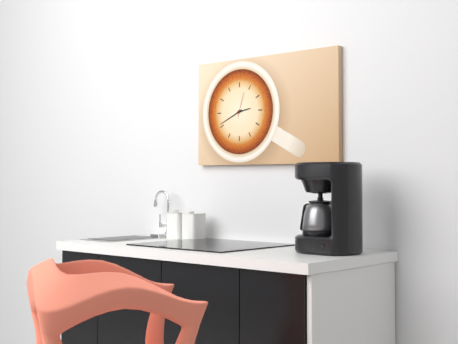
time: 2:41
